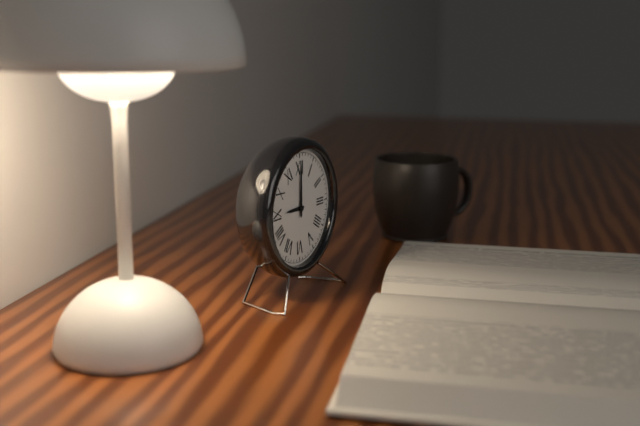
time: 9:00
